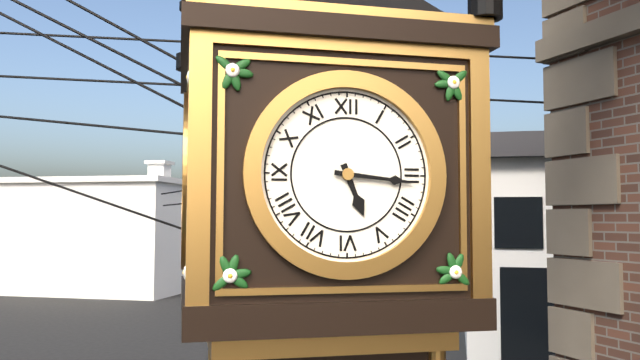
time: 5:16
